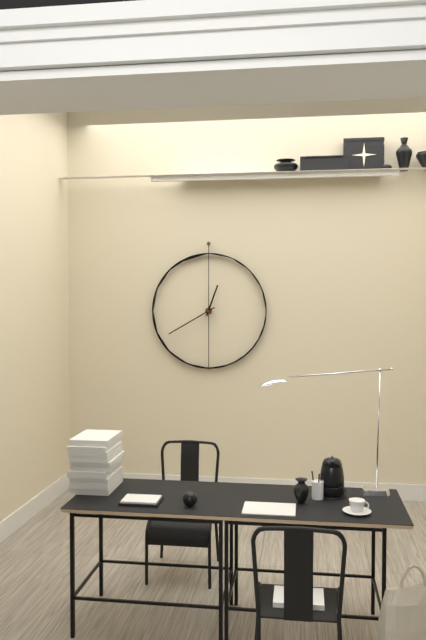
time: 12:40
